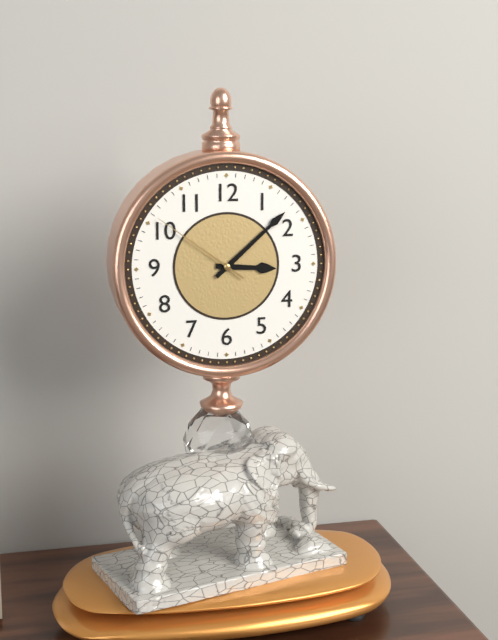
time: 3:08:51
